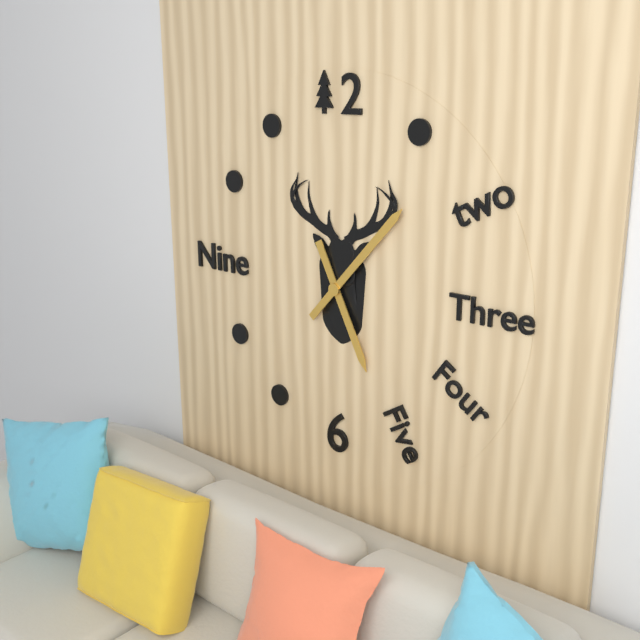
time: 5:07
